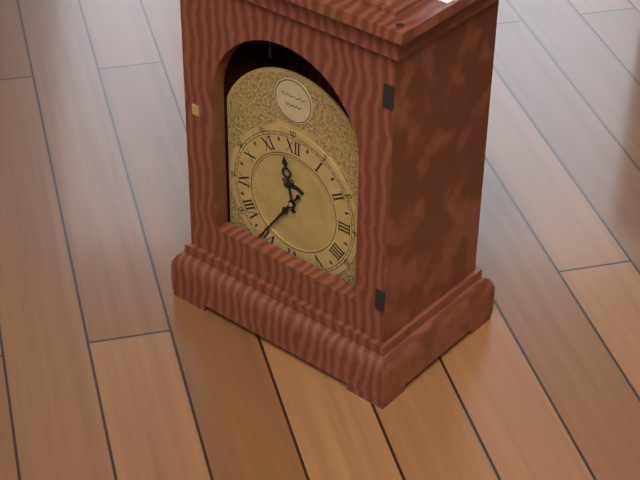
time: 11:36
